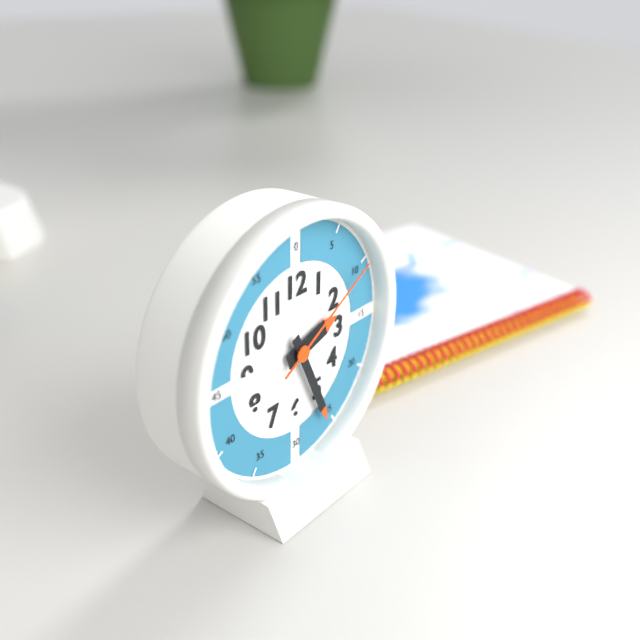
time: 2:26:10
